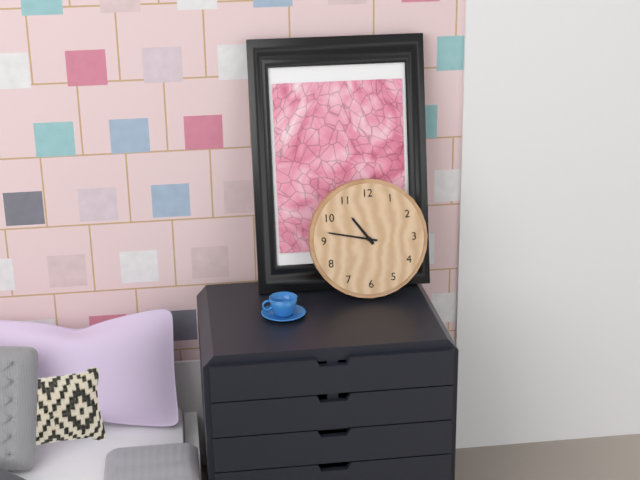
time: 10:47
